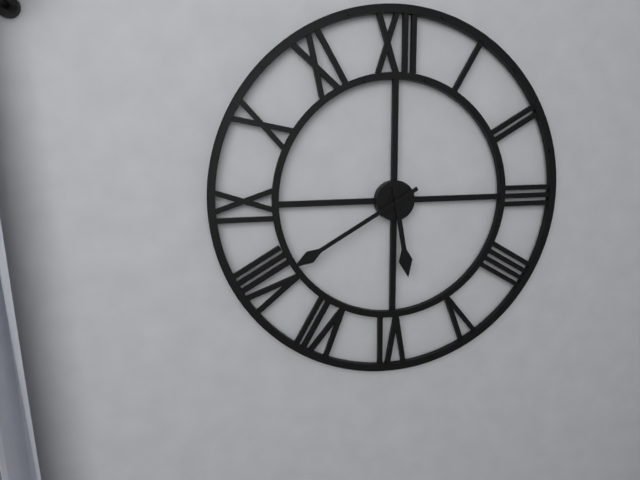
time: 5:40
